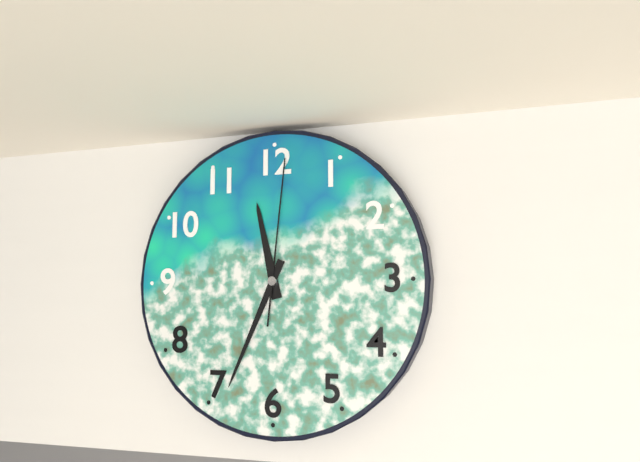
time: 11:34:01
